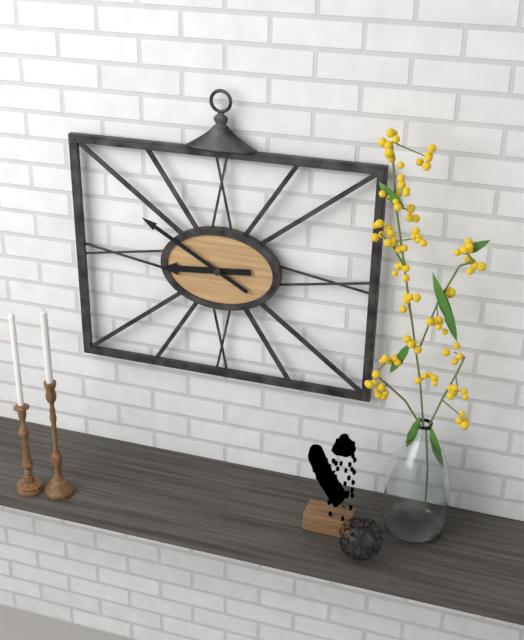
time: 8:50
